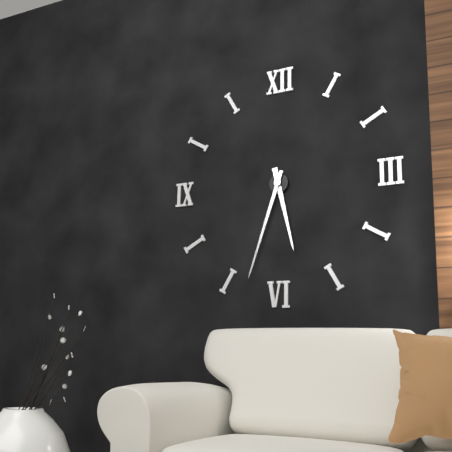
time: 5:33
